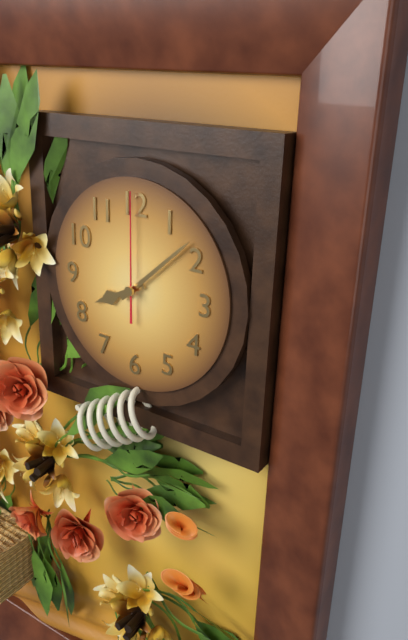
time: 8:08:00
